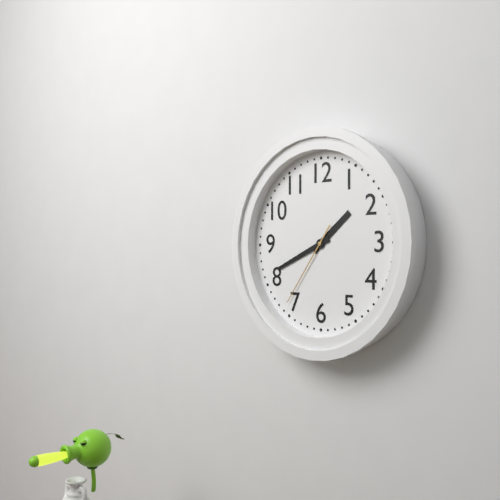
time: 1:41:36
